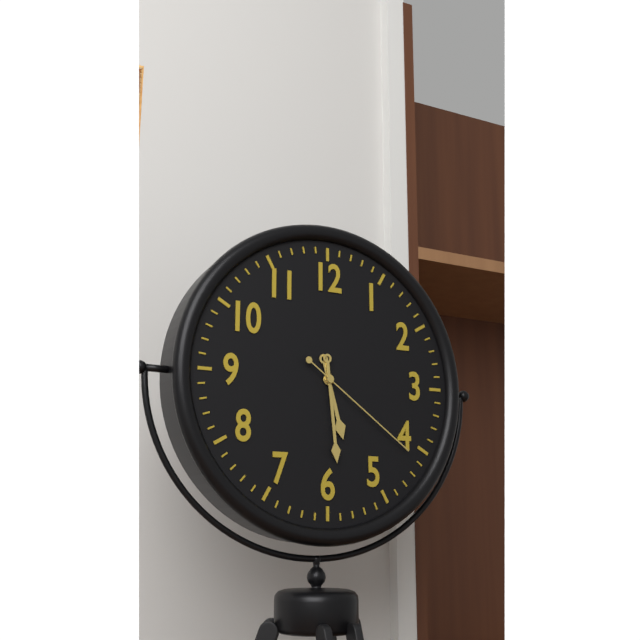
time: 5:29:21
